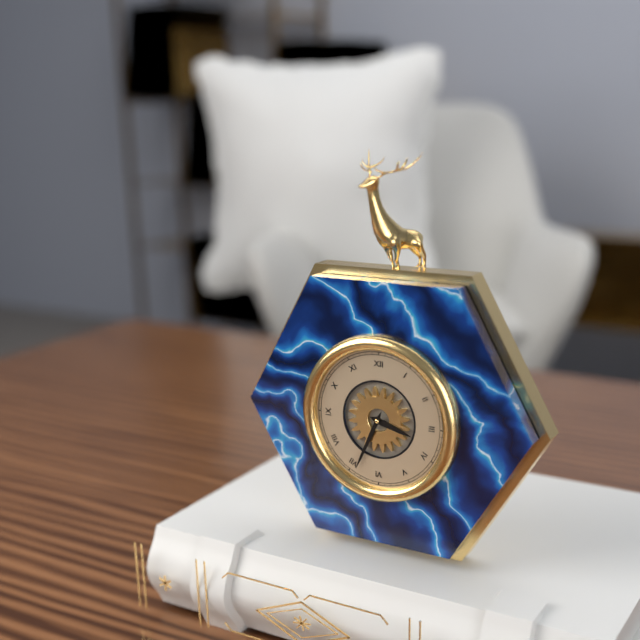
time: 3:34
